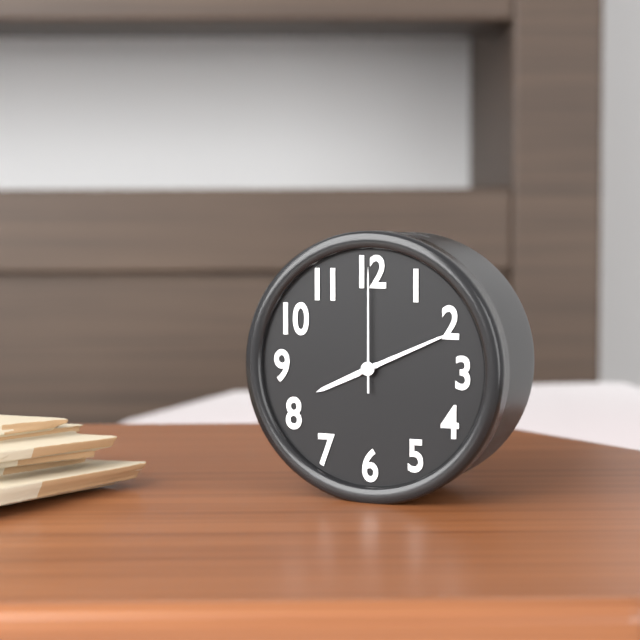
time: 8:11:00
